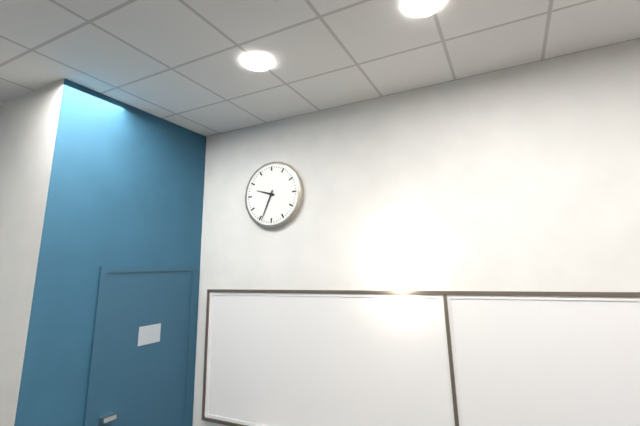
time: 9:34
